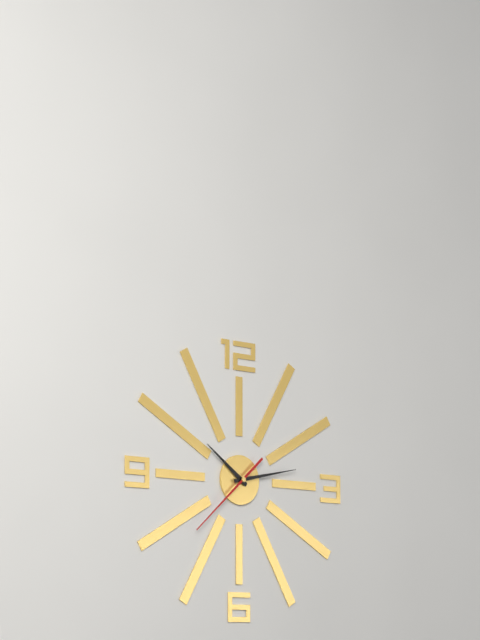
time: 10:13:38
